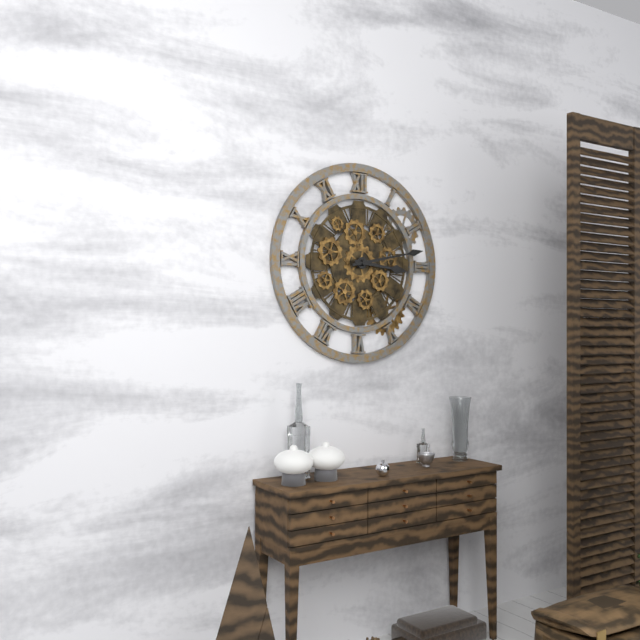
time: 3:13
